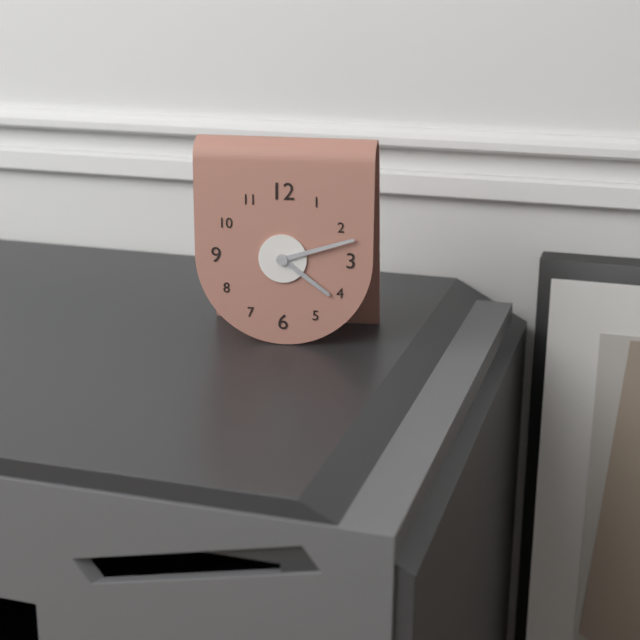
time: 4:12
